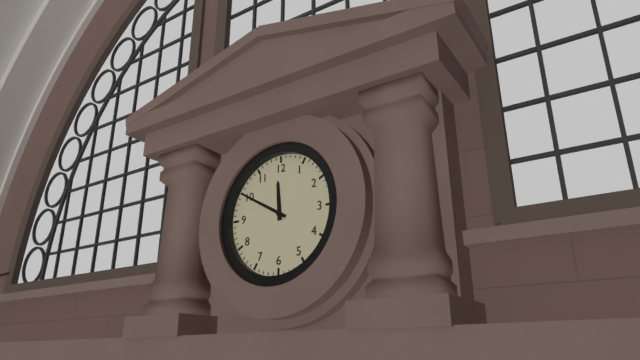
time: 11:50
